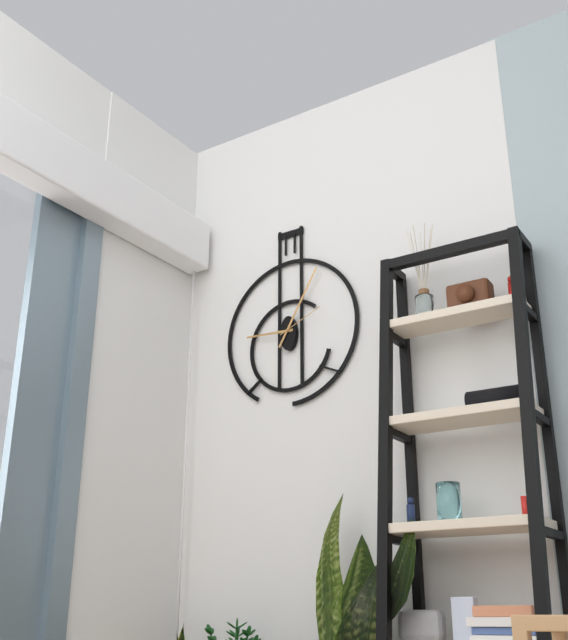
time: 9:05:11
